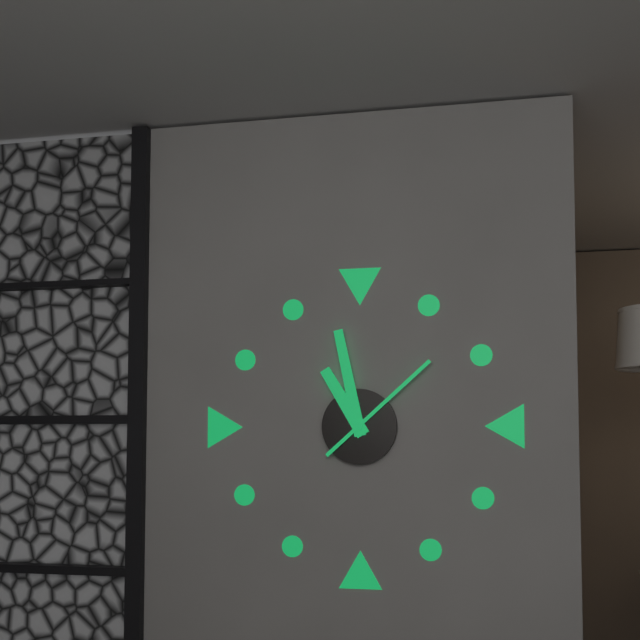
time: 10:58:08
